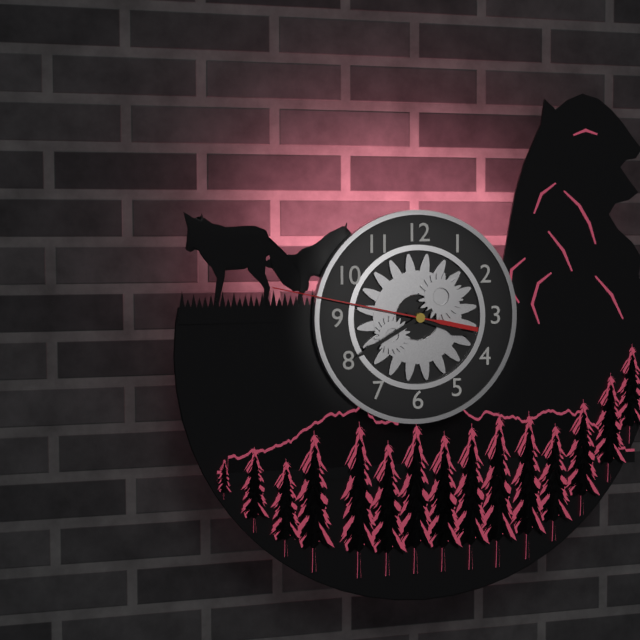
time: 3:40:47
